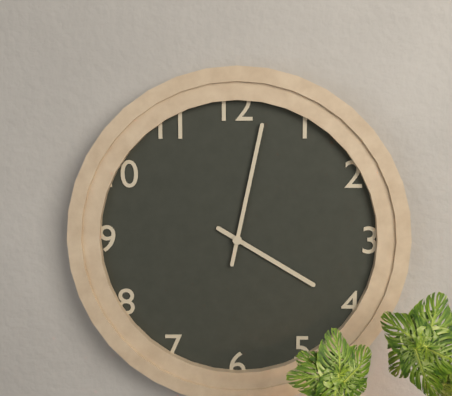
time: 4:02
